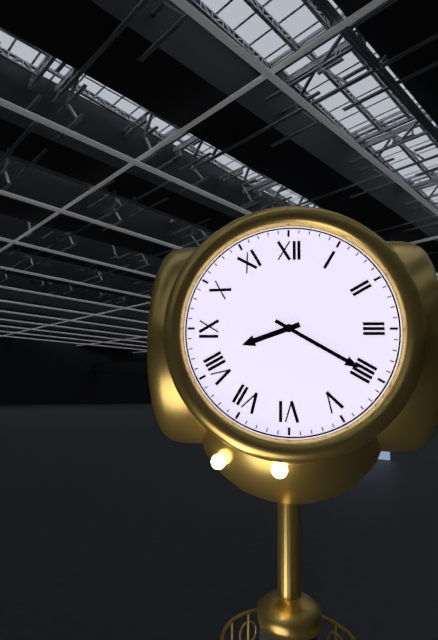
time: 8:20
